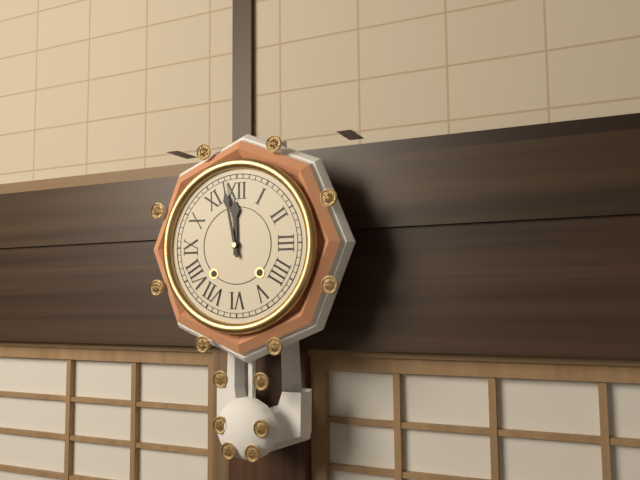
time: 11:58
